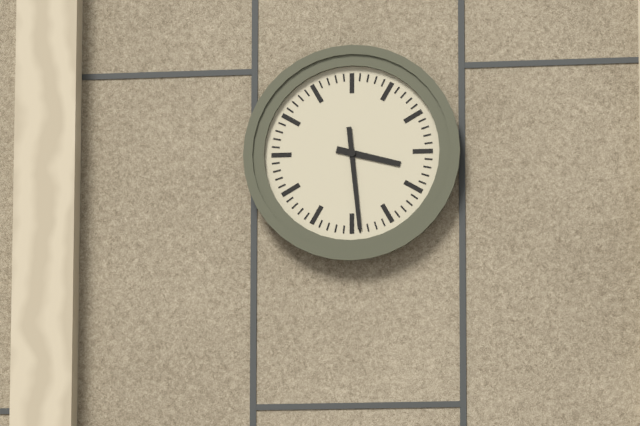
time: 3:29
